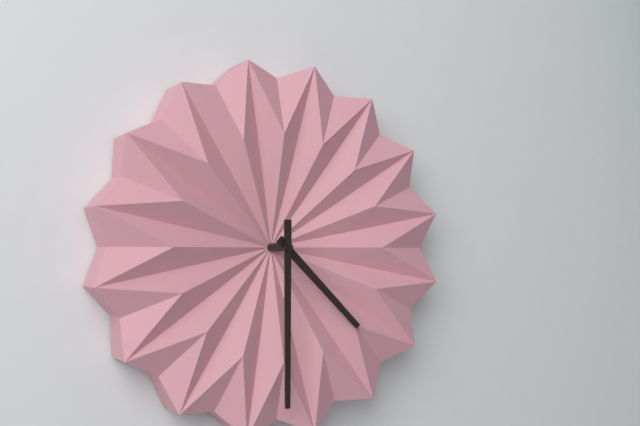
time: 4:30
